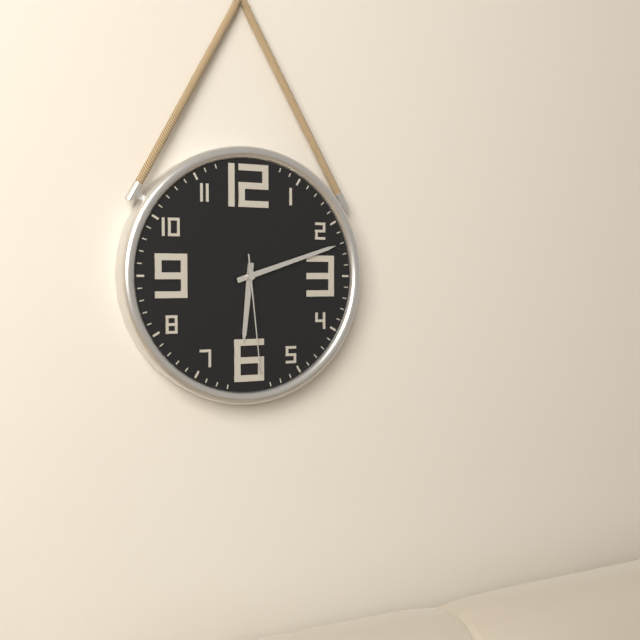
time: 6:12:29
